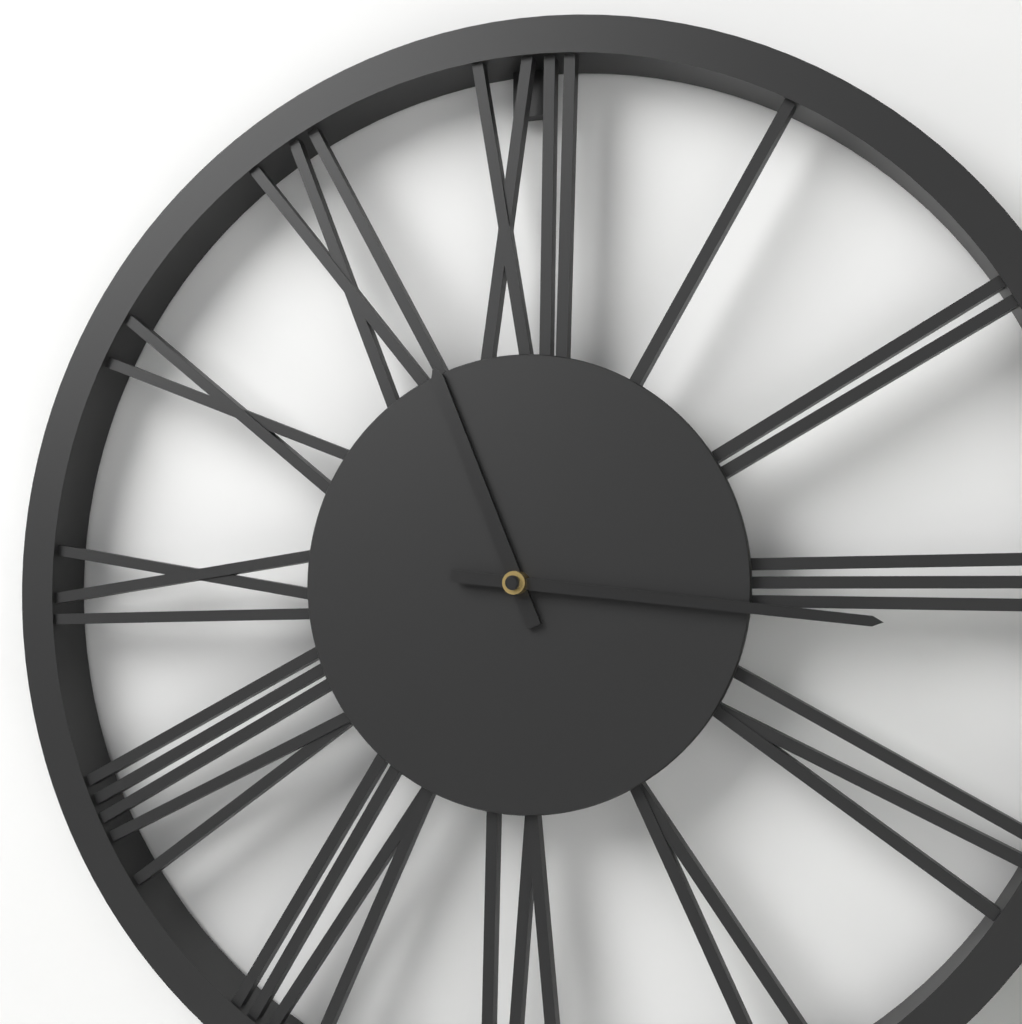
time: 11:16
